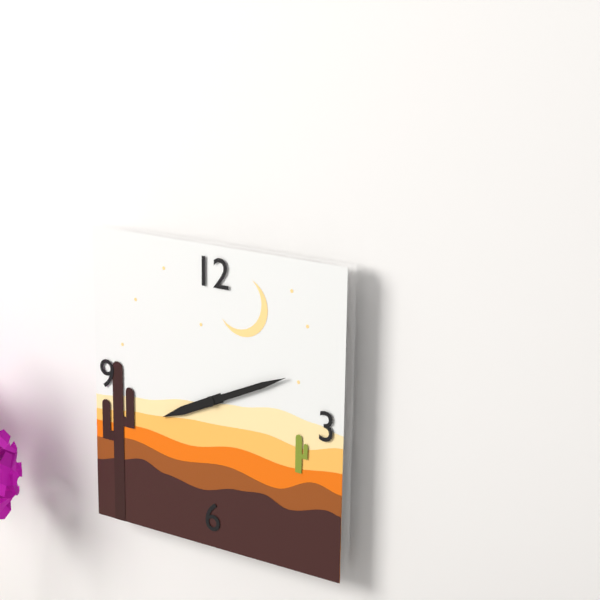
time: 8:11
